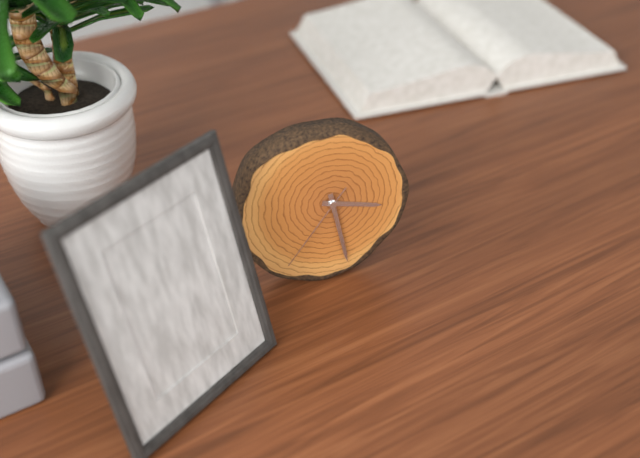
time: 3:28:36
